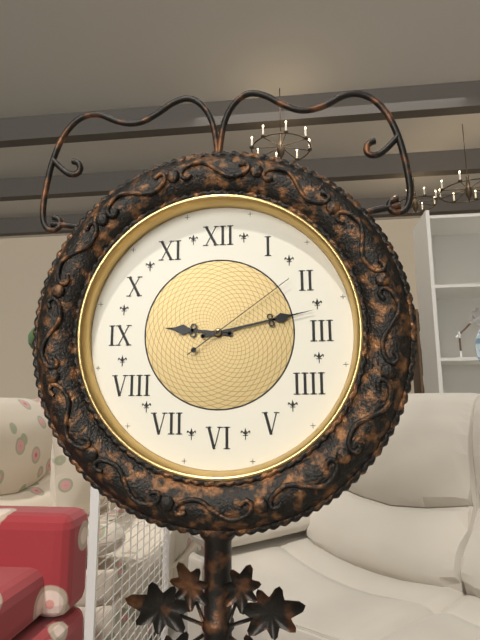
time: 9:13:09
